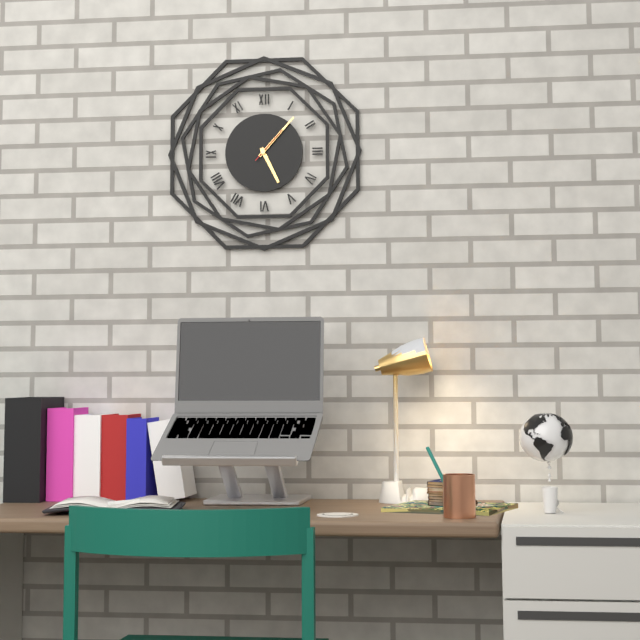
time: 5:07
